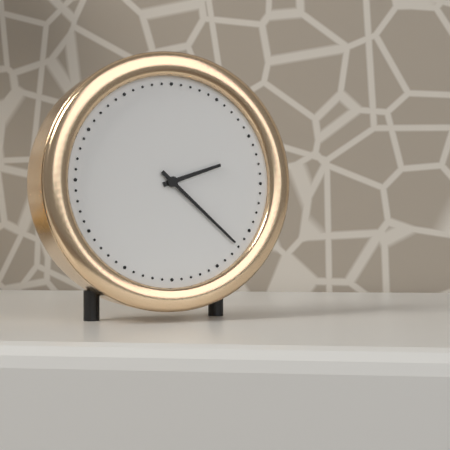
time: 2:22
